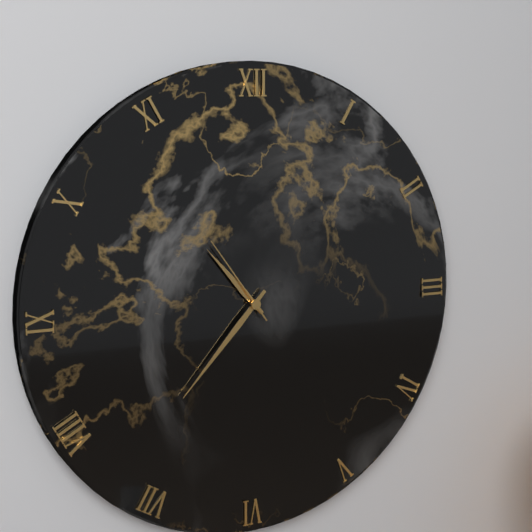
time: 10:37:54
